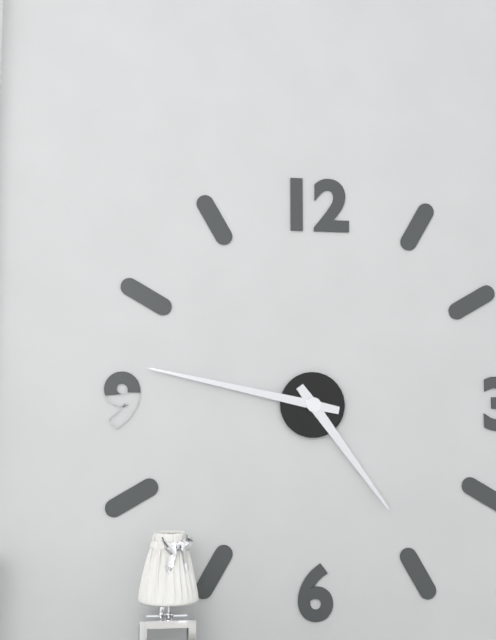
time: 4:47
